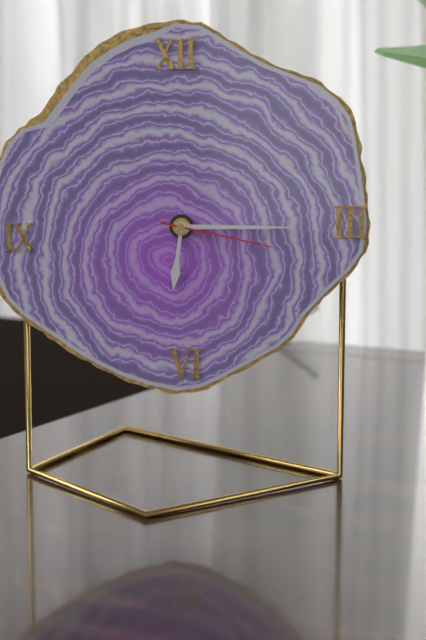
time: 6:15:17
